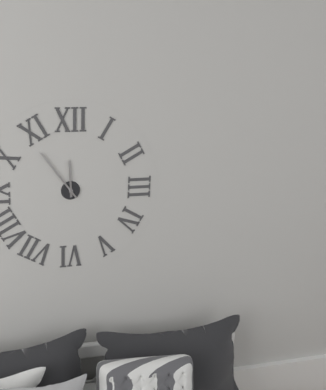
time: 11:54
